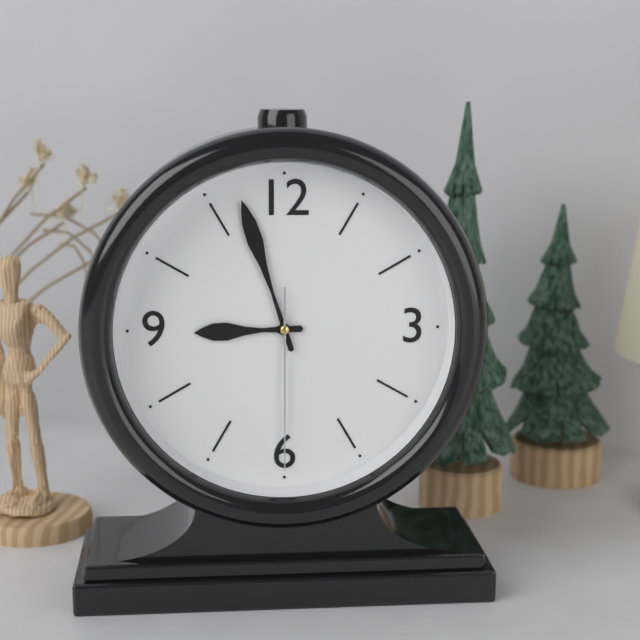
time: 8:57:30
